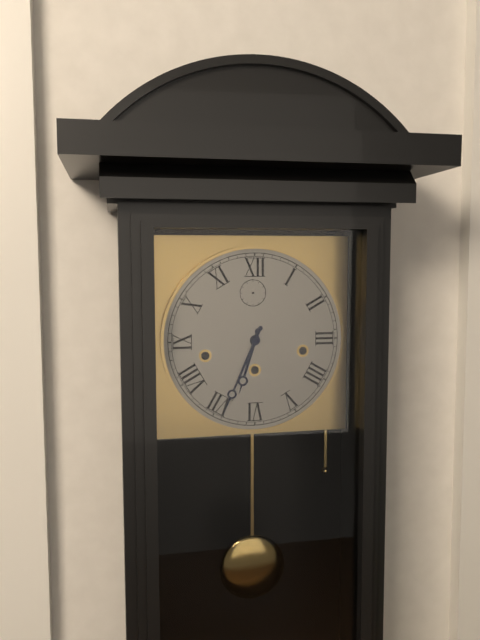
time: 6:34
